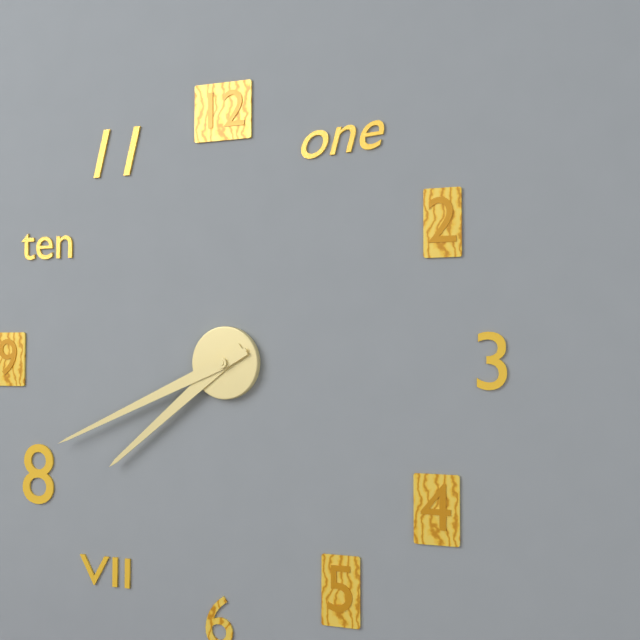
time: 7:41
